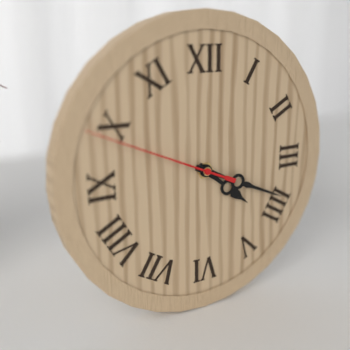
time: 4:19:49
